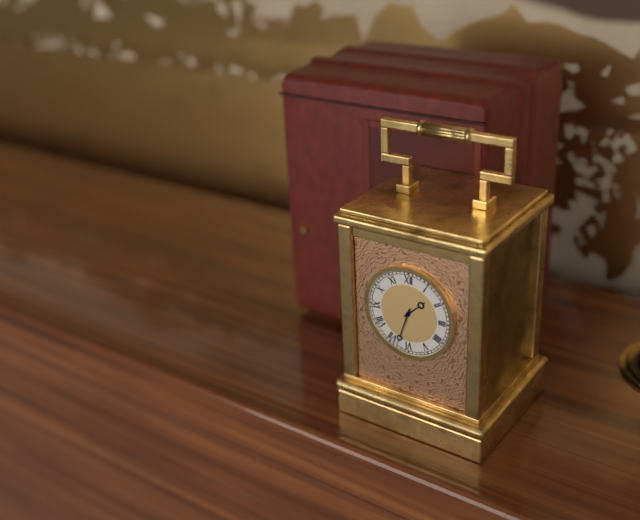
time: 1:33
